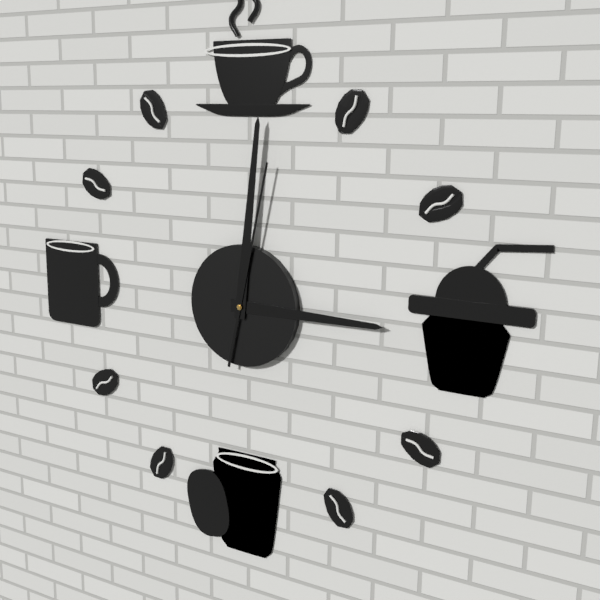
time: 3:01:02
